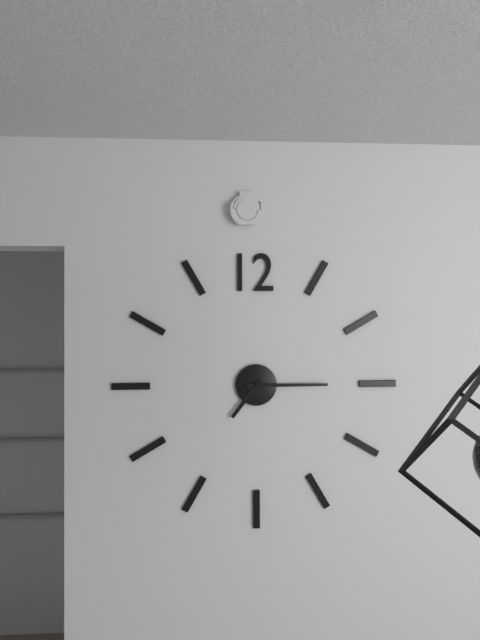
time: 7:15
